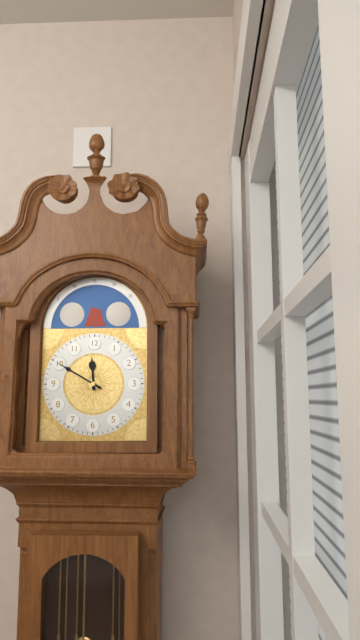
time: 11:50
